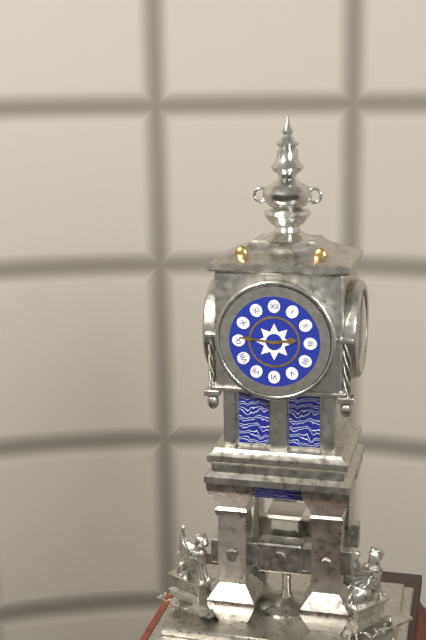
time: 2:46
